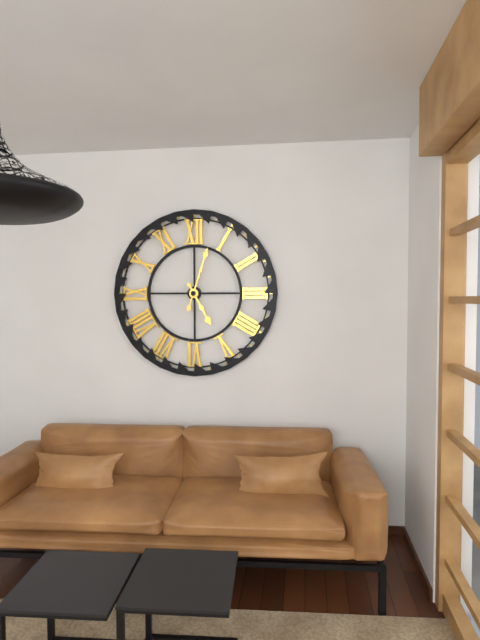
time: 5:03
